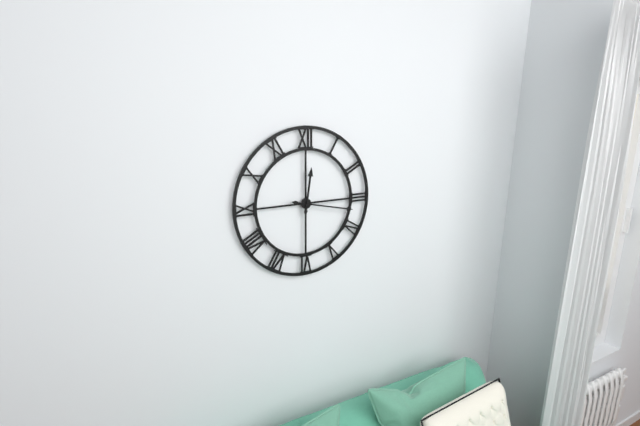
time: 12:17
